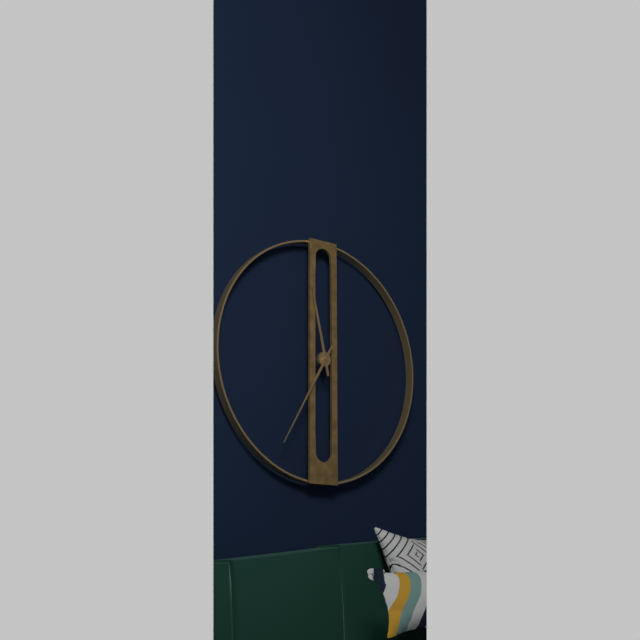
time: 11:35
